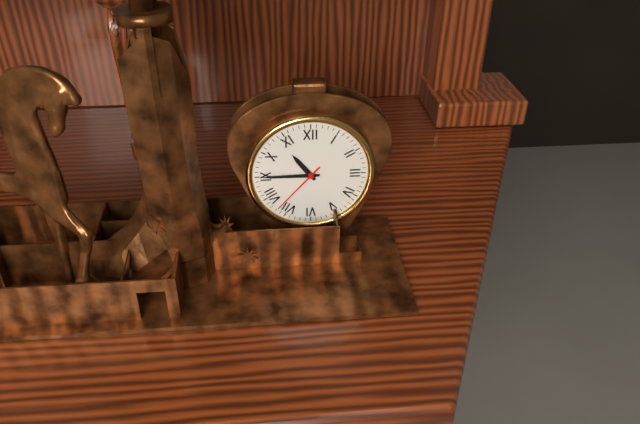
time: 10:45:37
